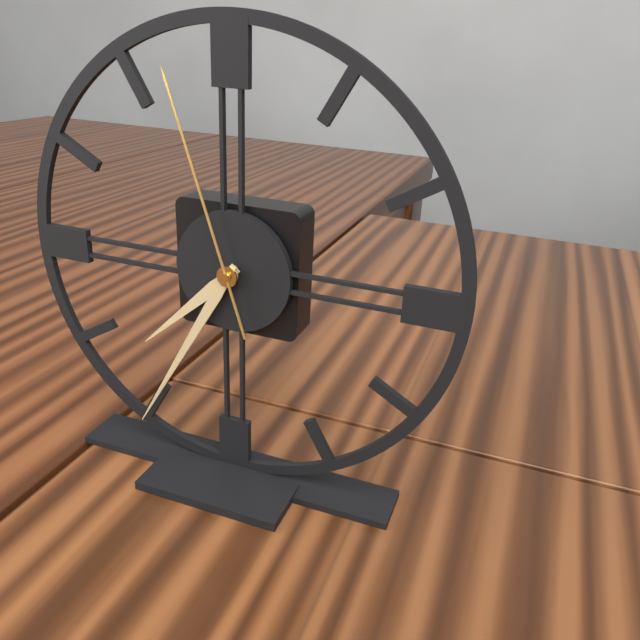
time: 7:35:57
